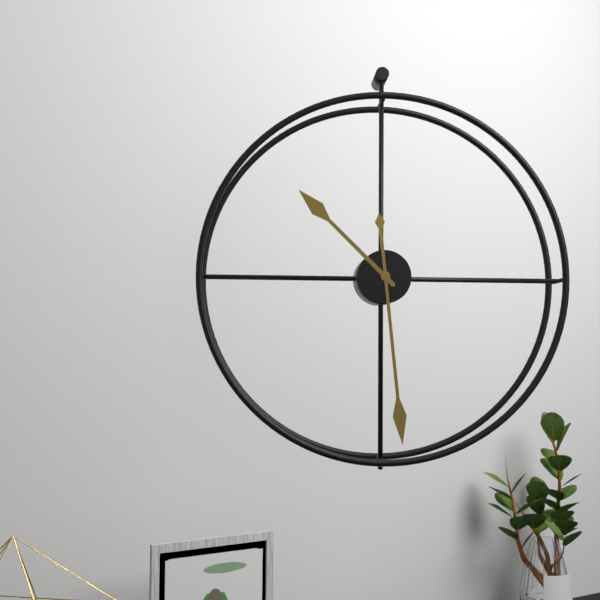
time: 10:29
